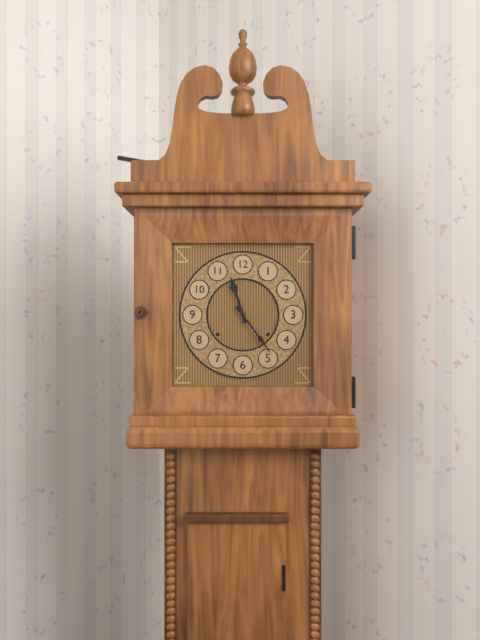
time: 11:24
